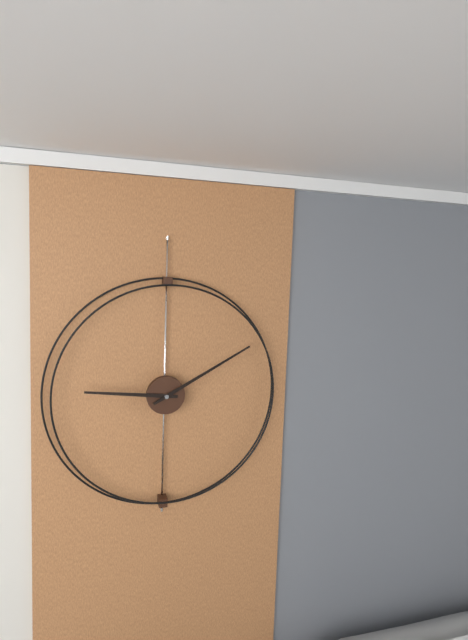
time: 9:10
